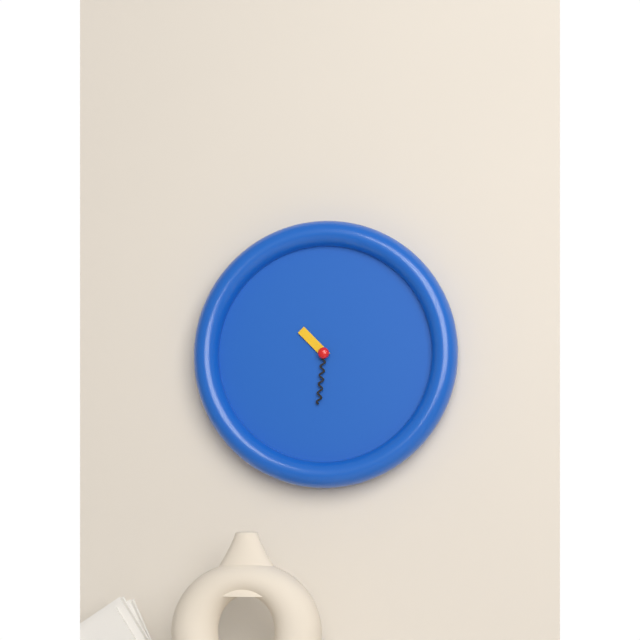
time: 10:31
